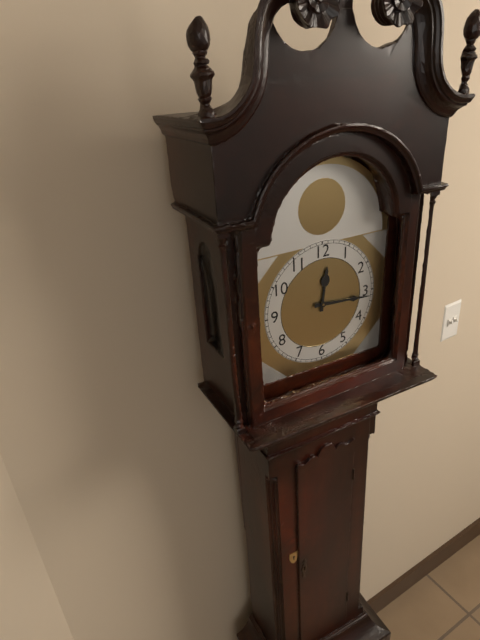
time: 12:16
